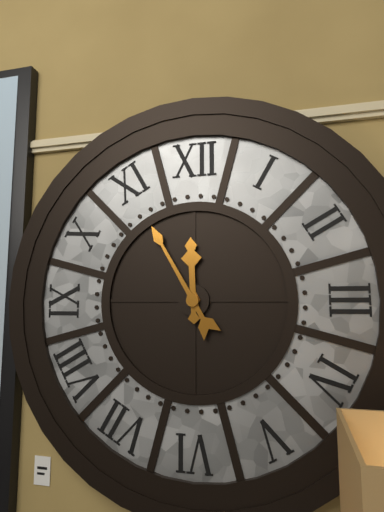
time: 11:55
